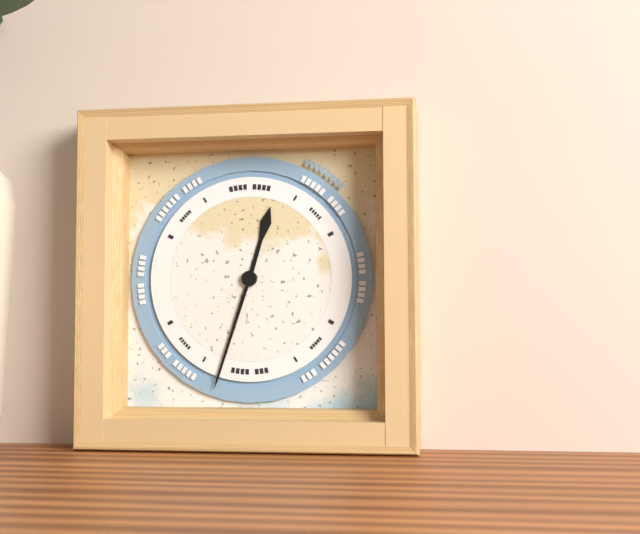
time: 12:33
